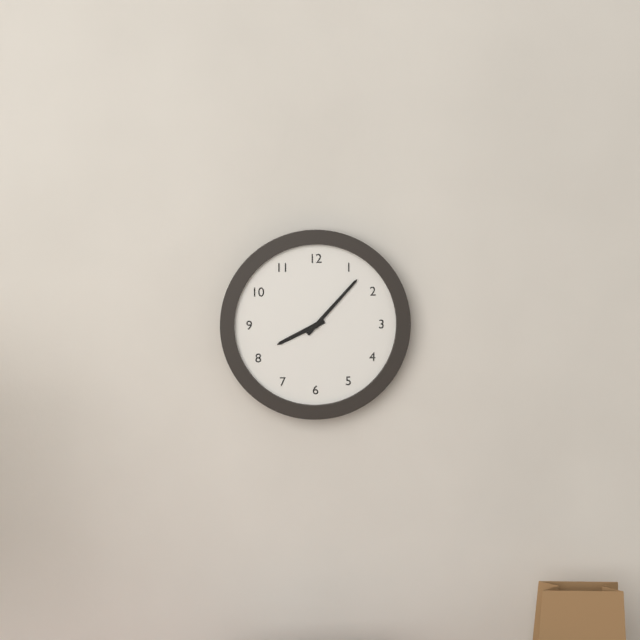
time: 8:07
